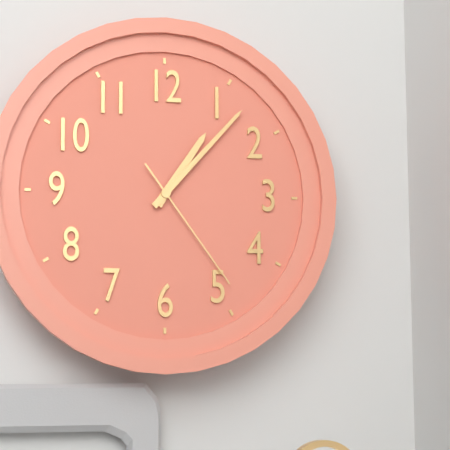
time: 1:07:24
